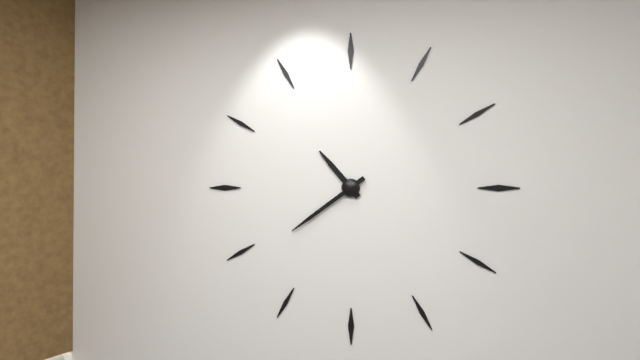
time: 10:39
